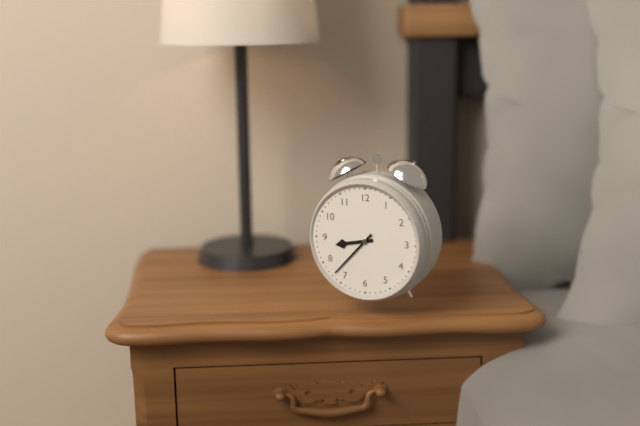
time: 8:37
